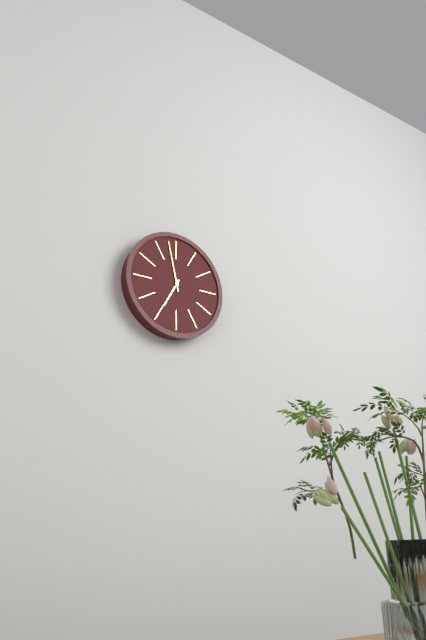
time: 6:58
